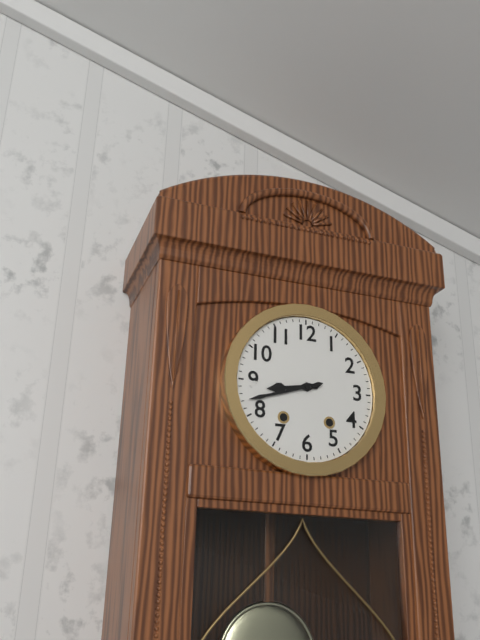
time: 8:42
